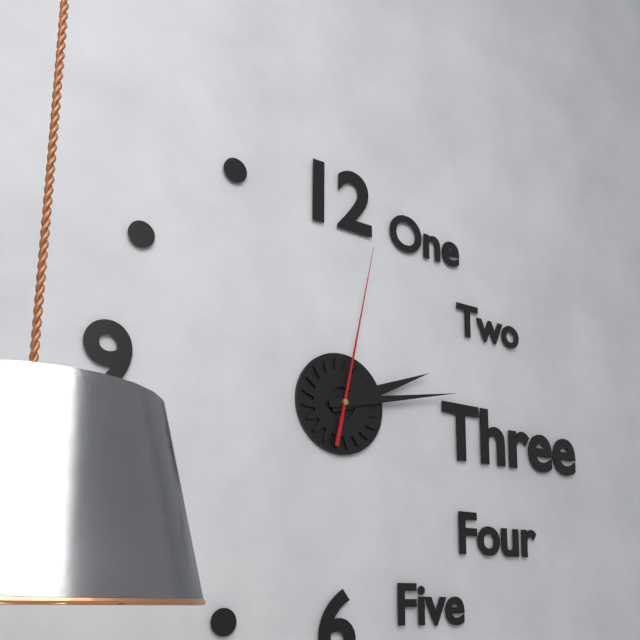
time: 2:13:02
